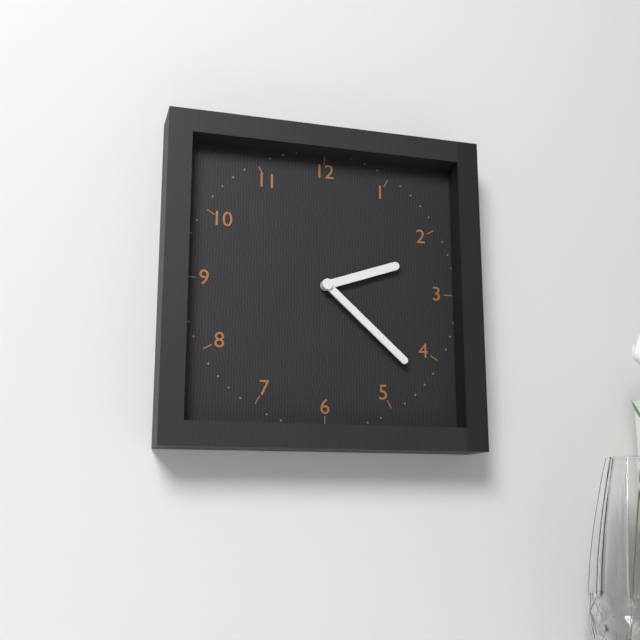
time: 2:22
